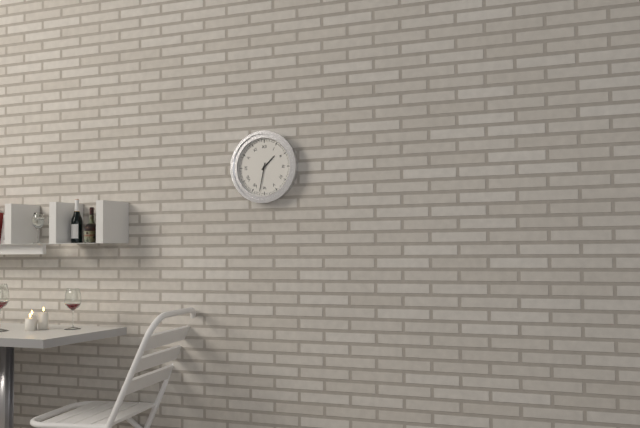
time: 1:32
